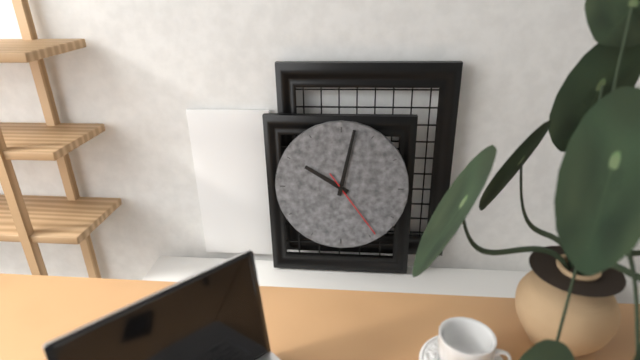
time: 10:02:24
